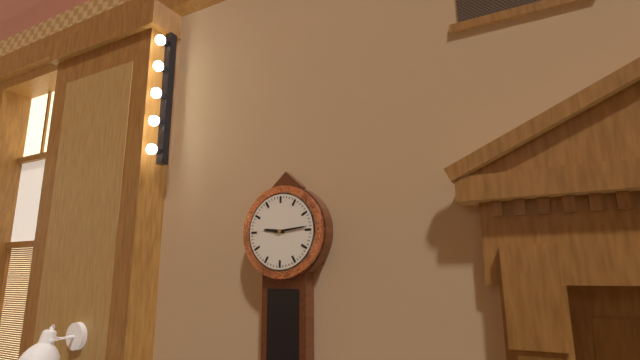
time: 9:14
